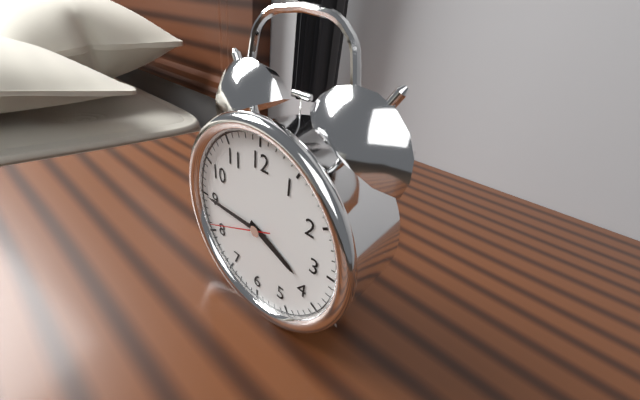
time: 3:45:41
